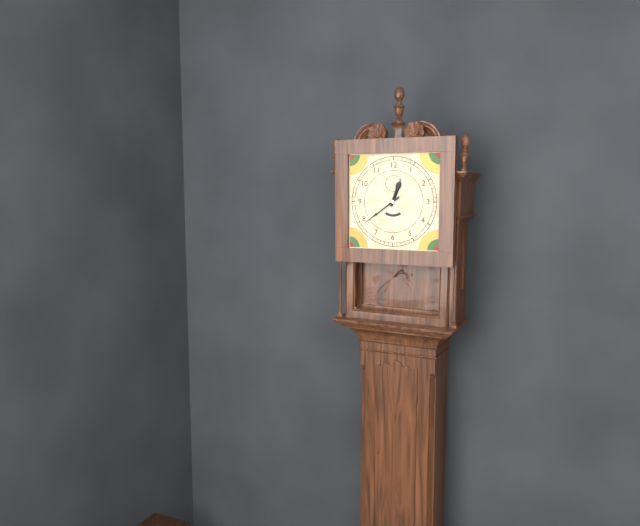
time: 12:39
